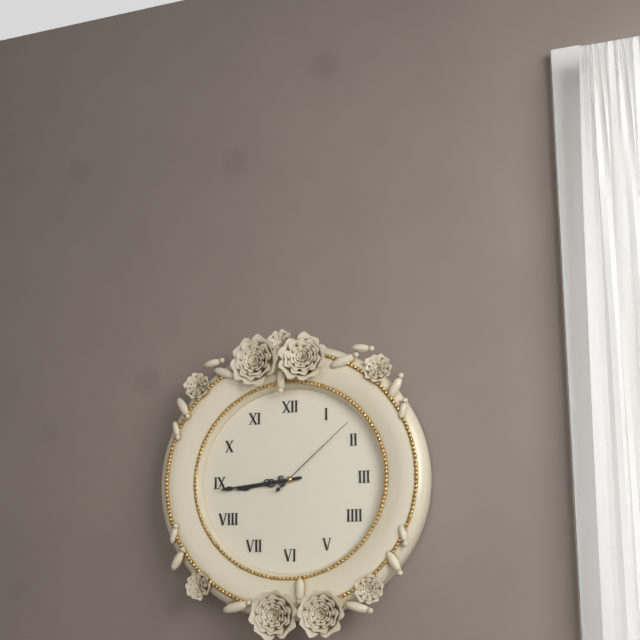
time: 8:44:08
